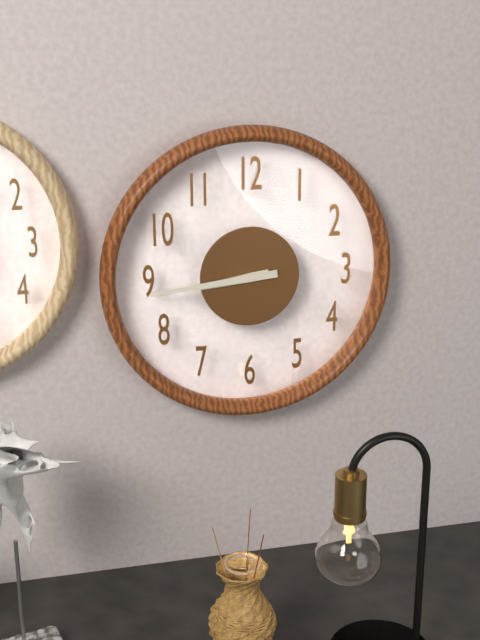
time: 8:44
